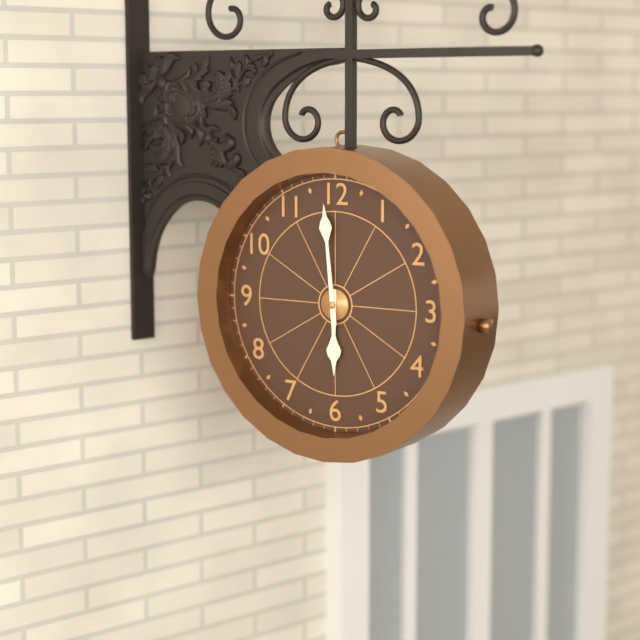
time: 5:59
